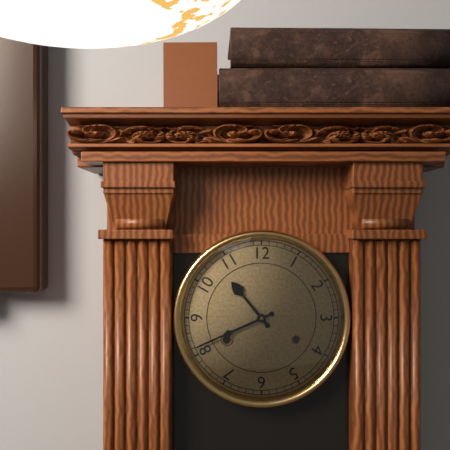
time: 10:41
